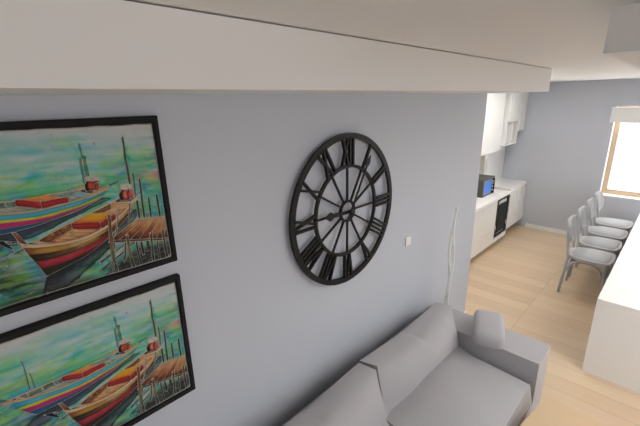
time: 9:05
